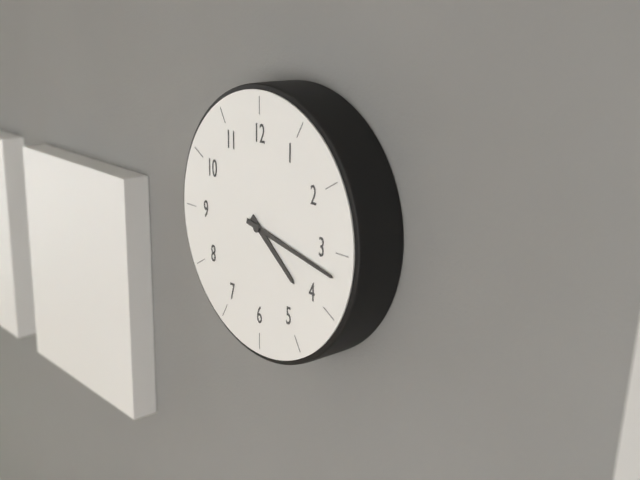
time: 4:17
